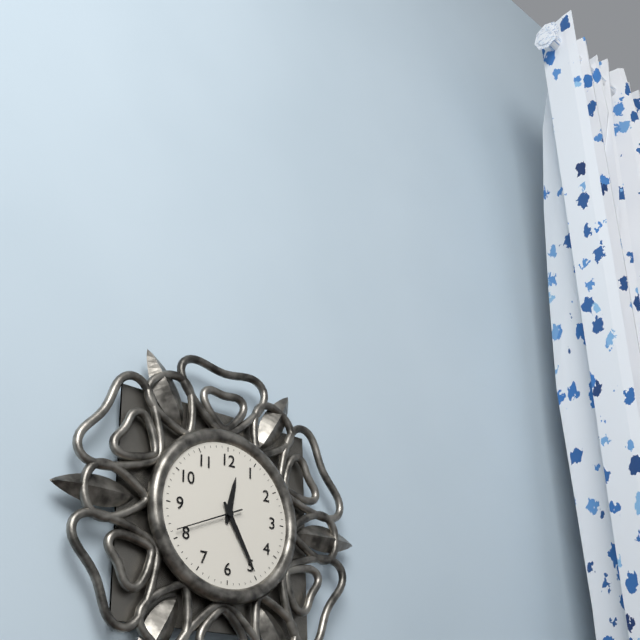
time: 12:25:41
